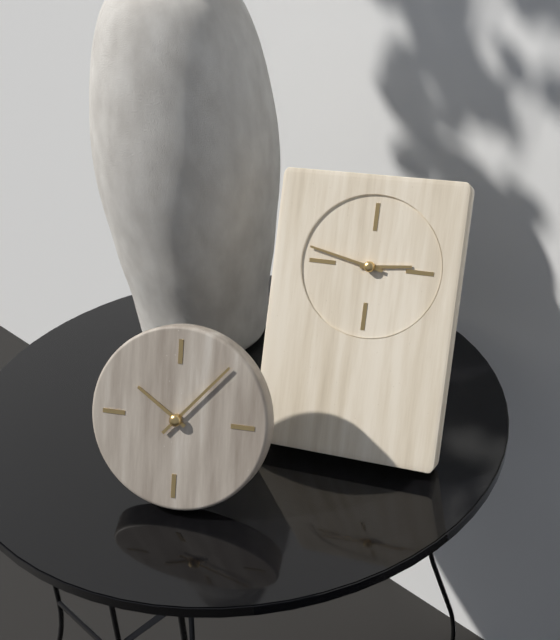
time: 2:47
